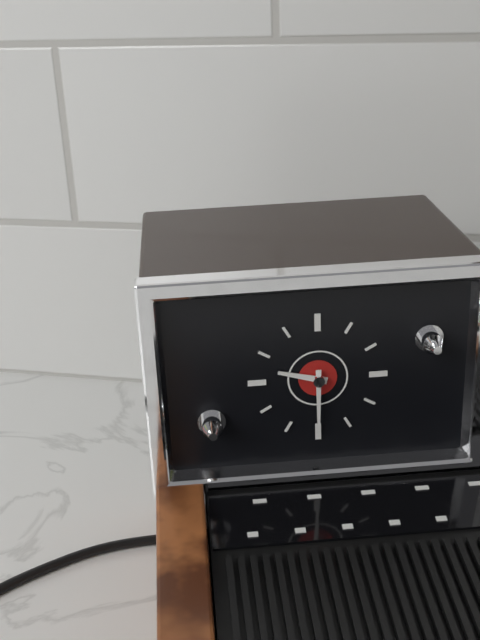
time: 9:30
